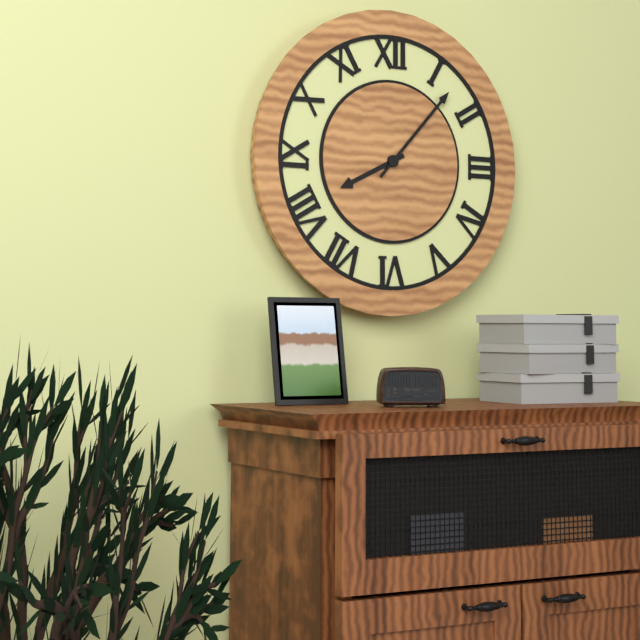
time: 8:07
